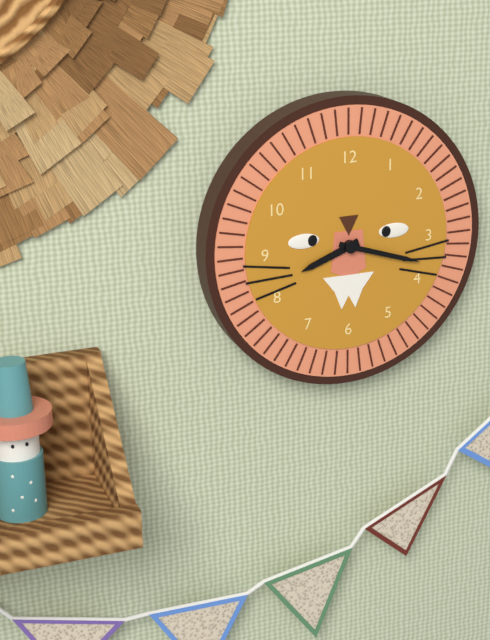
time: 8:18
